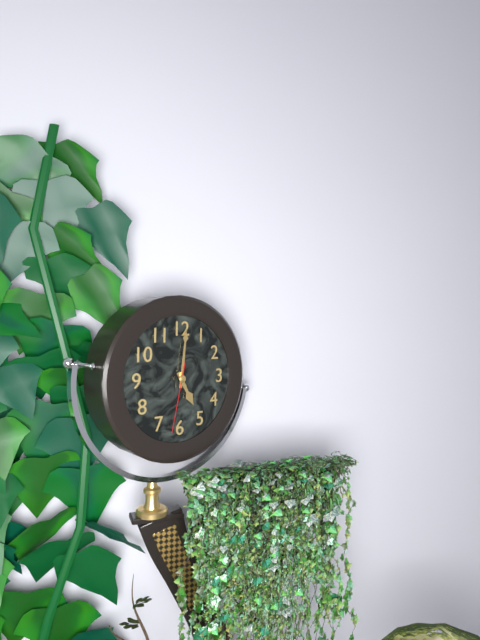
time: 5:01:32
